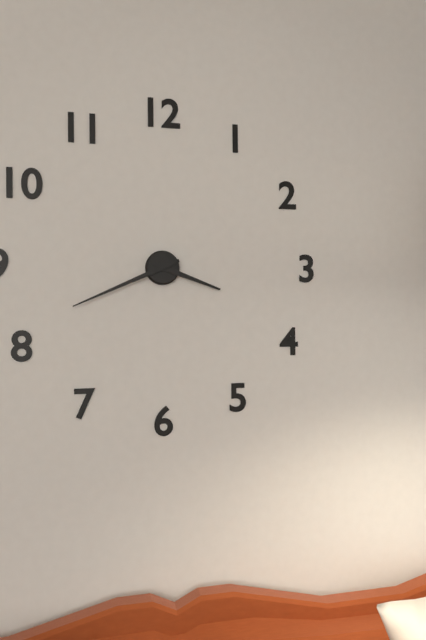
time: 3:41
